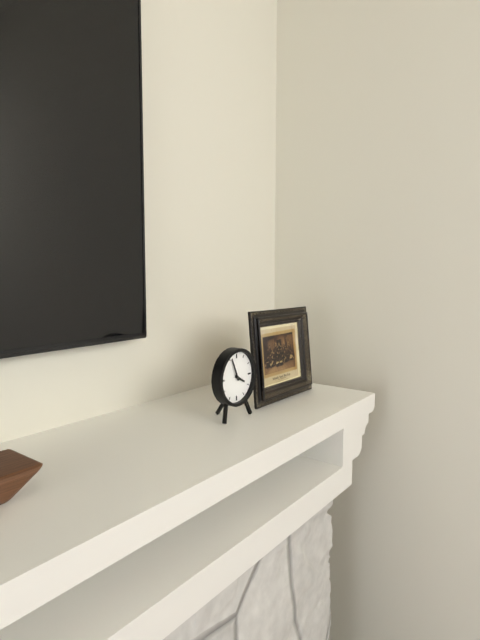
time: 3:56
